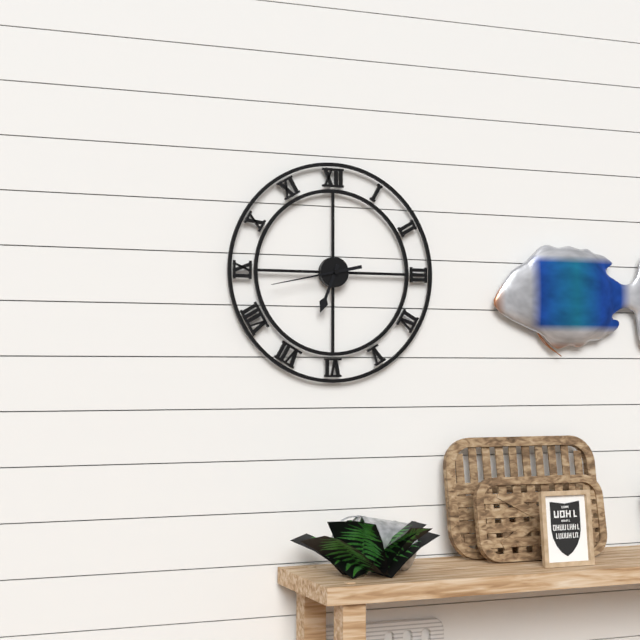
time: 6:43
